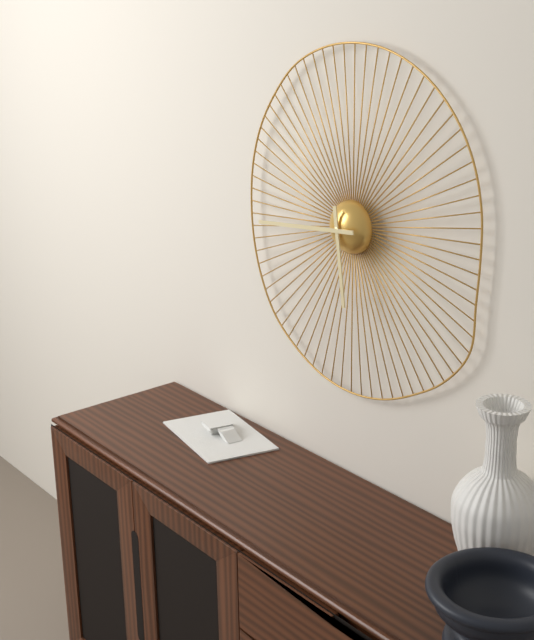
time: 5:44
